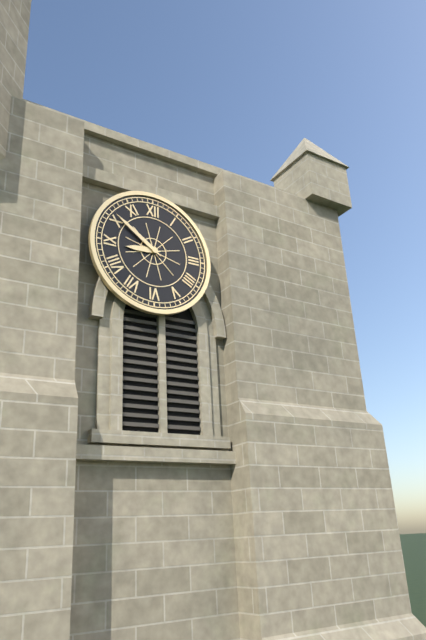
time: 8:51
